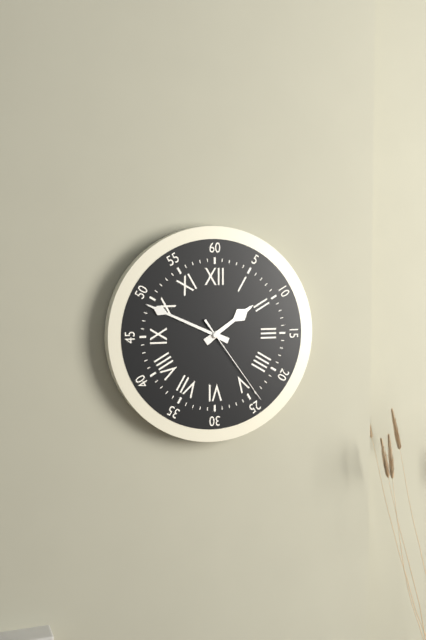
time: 1:49:24
